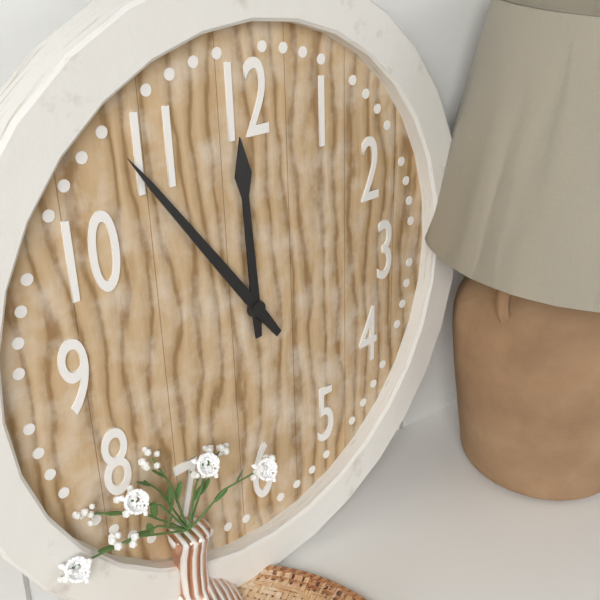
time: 11:54
